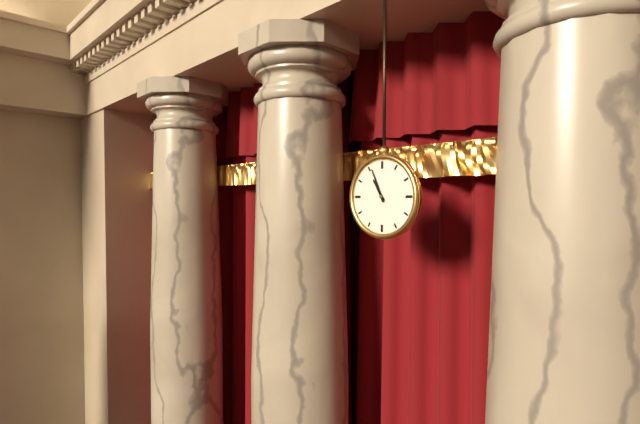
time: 10:56
